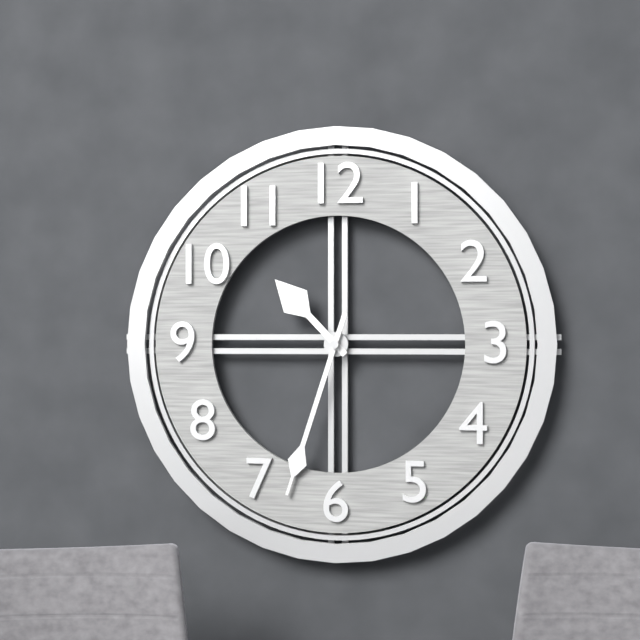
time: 10:33
